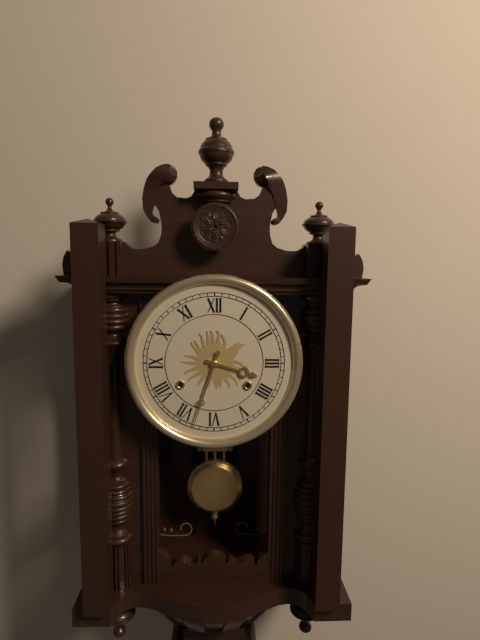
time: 3:33
